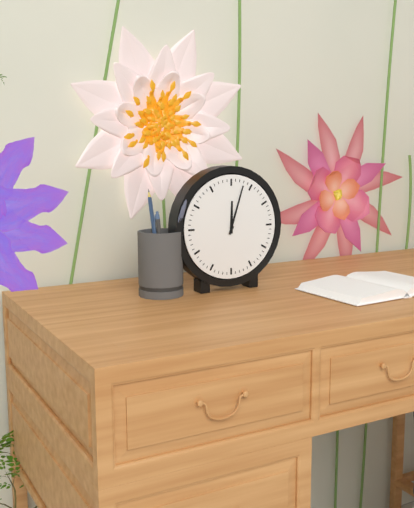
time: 12:03
